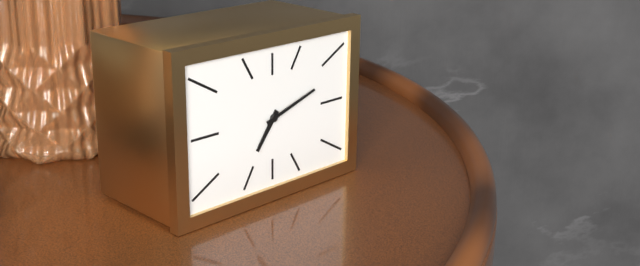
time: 7:12
